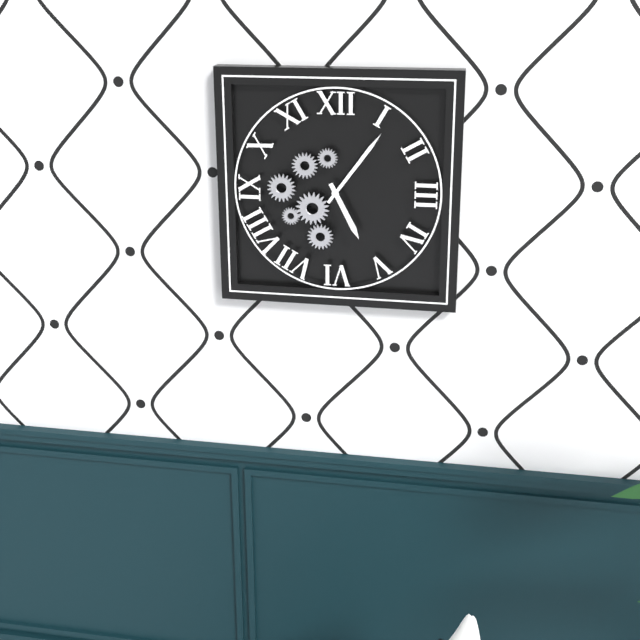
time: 5:06
